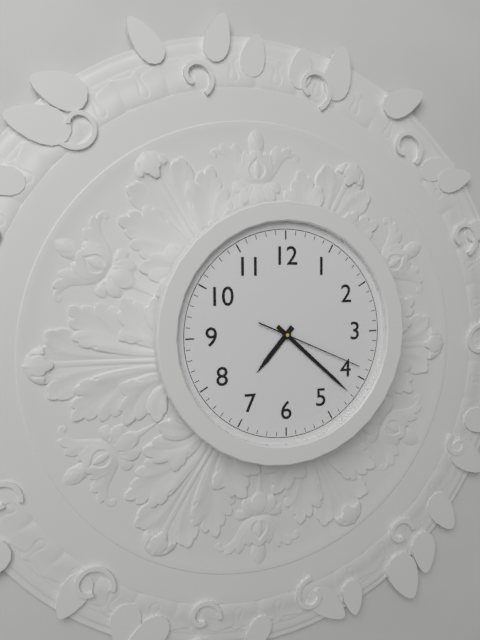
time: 7:22:19
